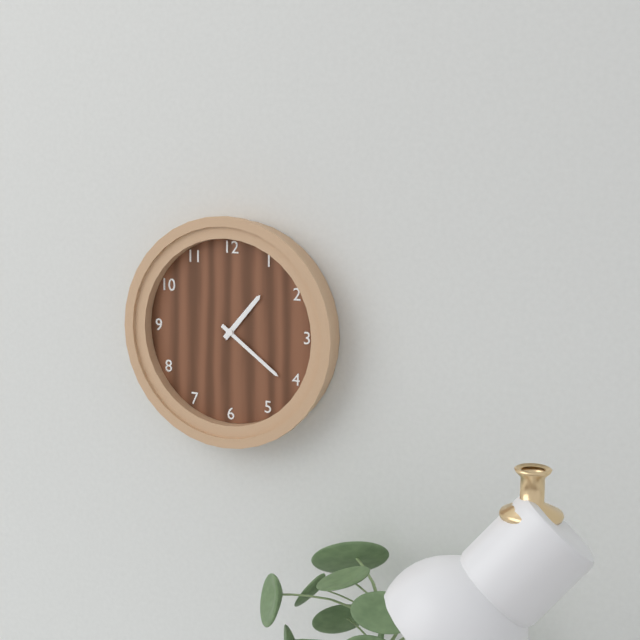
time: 1:21
